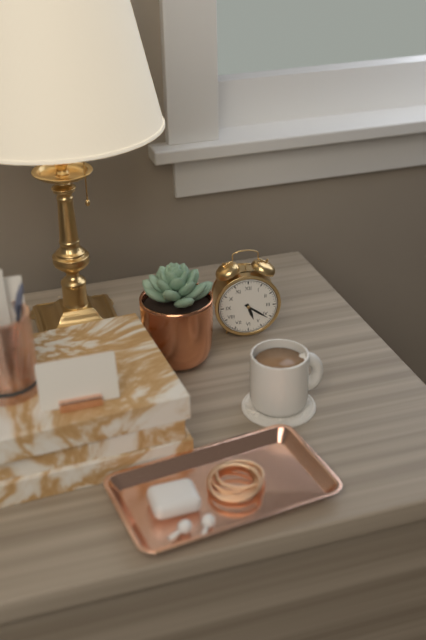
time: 5:21
